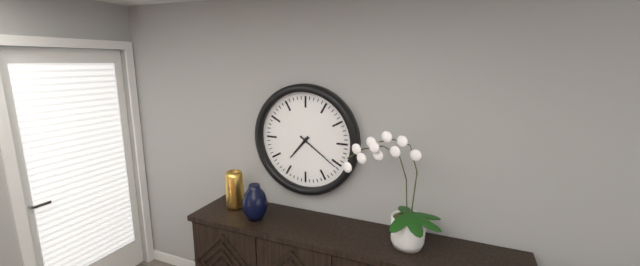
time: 7:21
